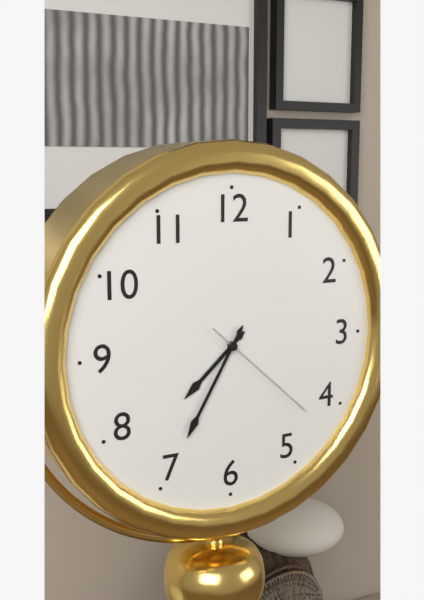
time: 7:35:22
